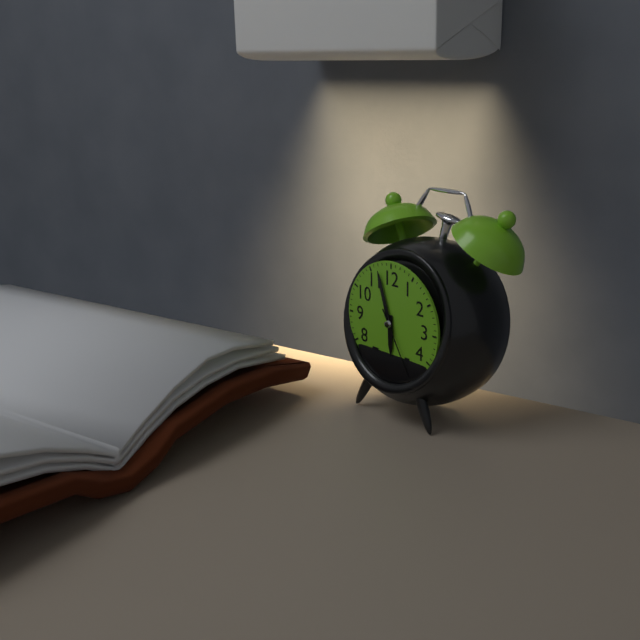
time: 5:57:25
